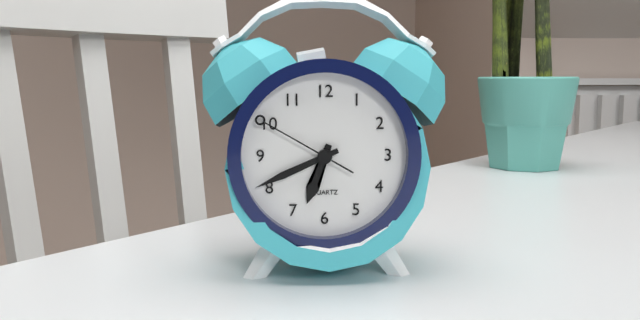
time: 6:41:50
